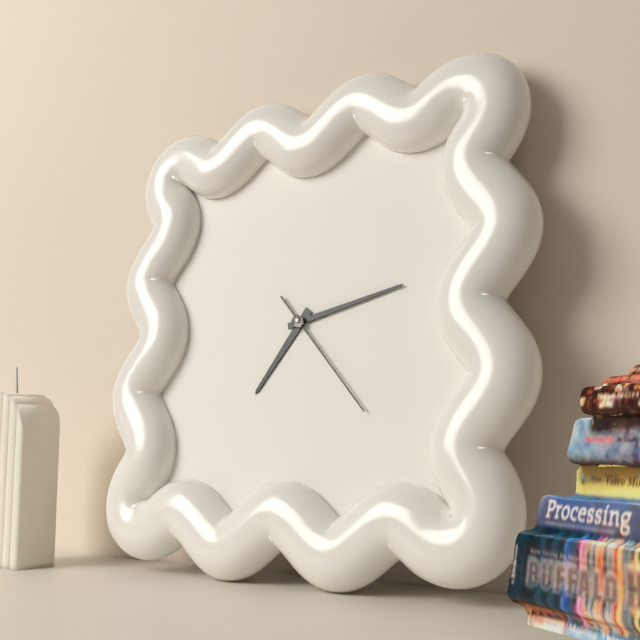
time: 7:13:23
